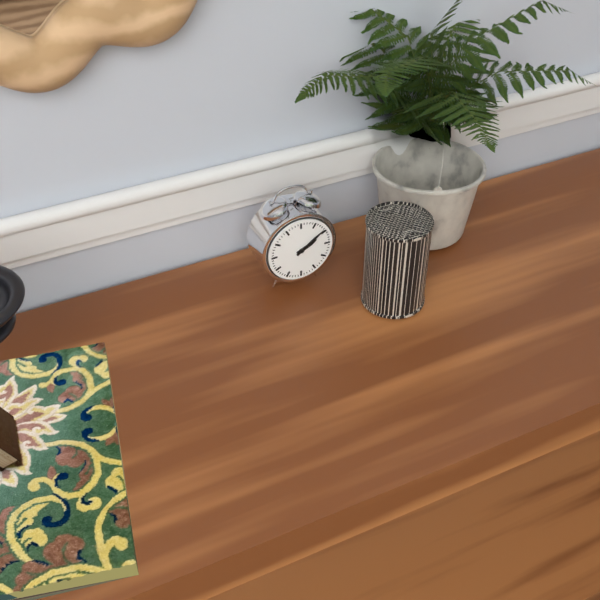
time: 2:09
